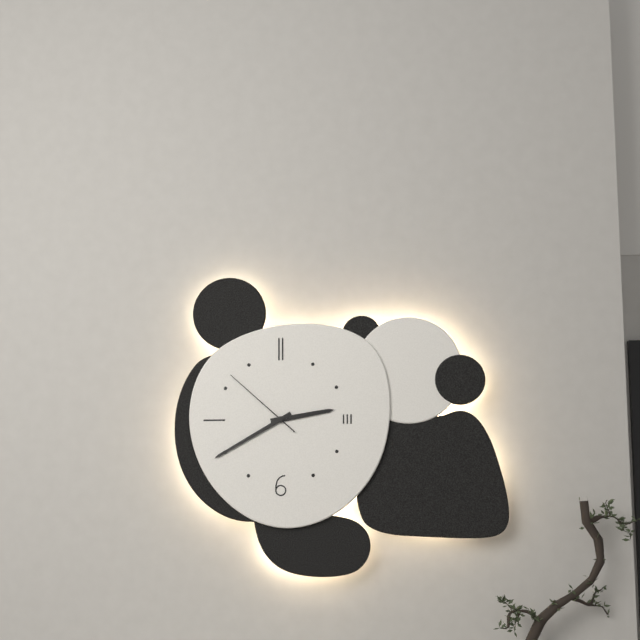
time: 2:40:52
